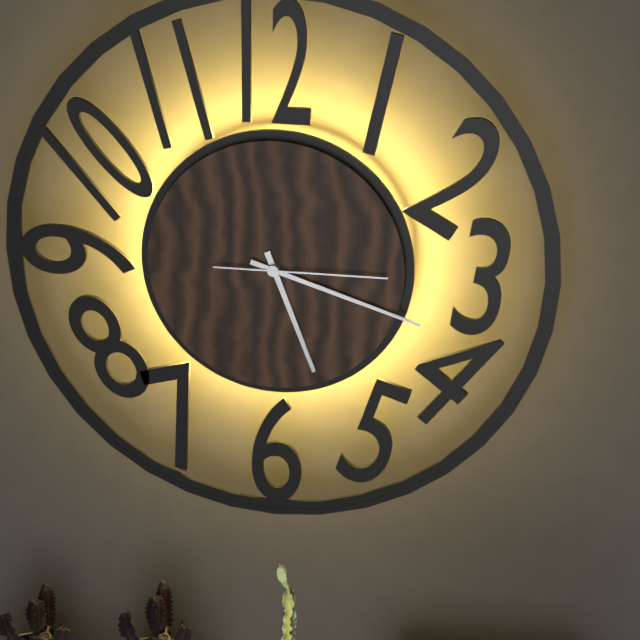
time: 5:18:15
